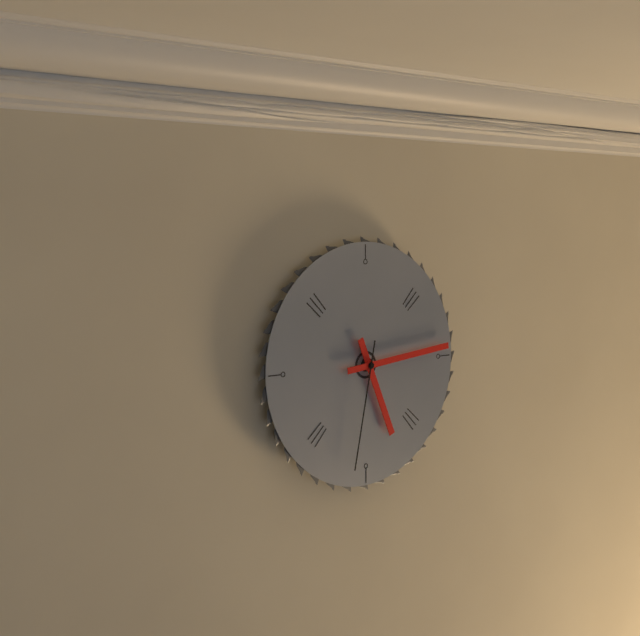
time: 5:14:32
